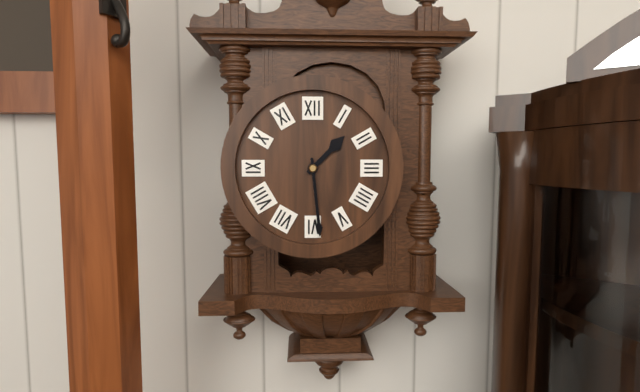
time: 1:29
